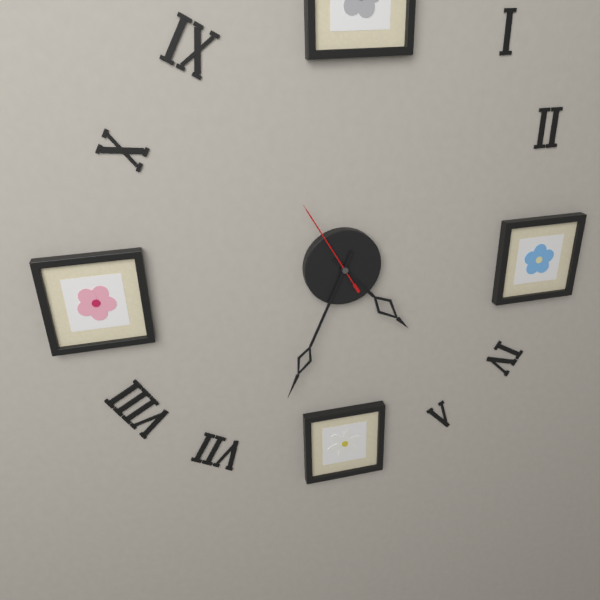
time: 4:34:55
